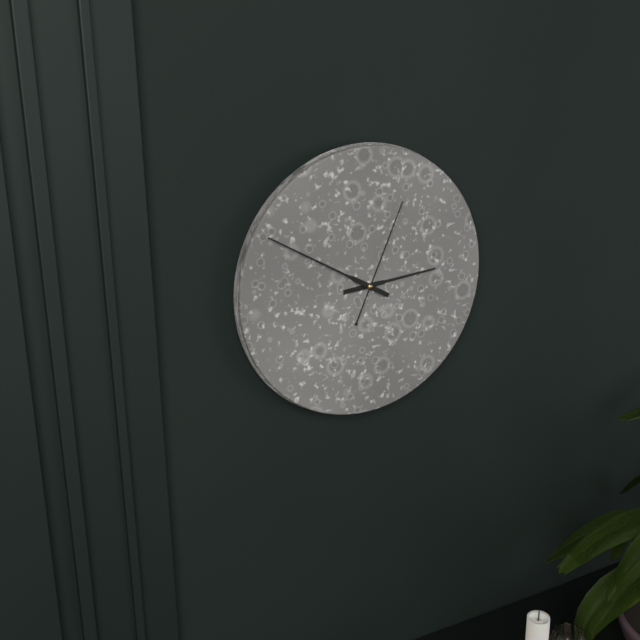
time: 2:50:04
